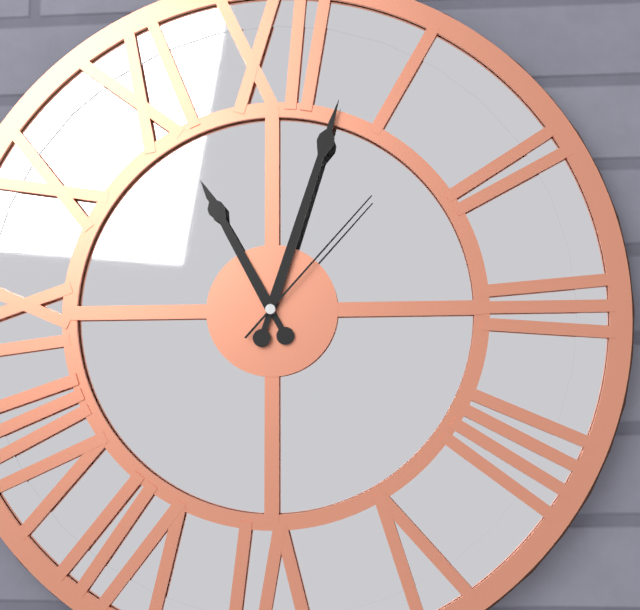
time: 11:03:07
